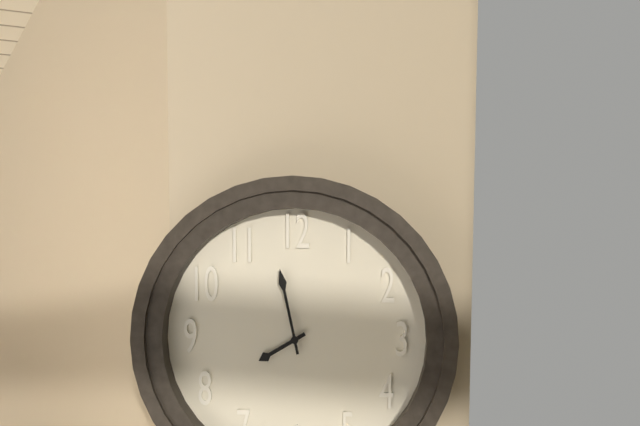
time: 7:58
